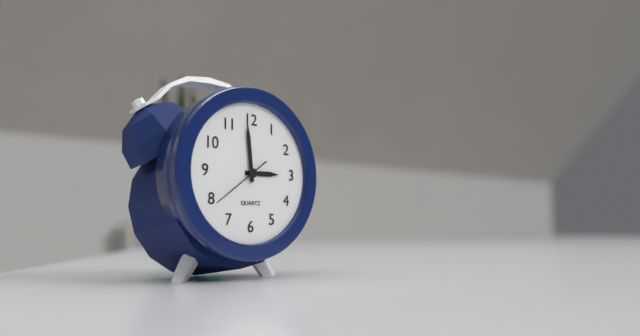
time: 2:59:39
